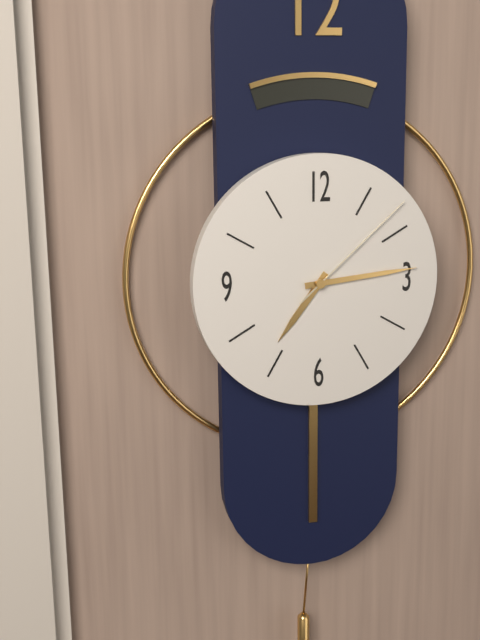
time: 7:14:08
